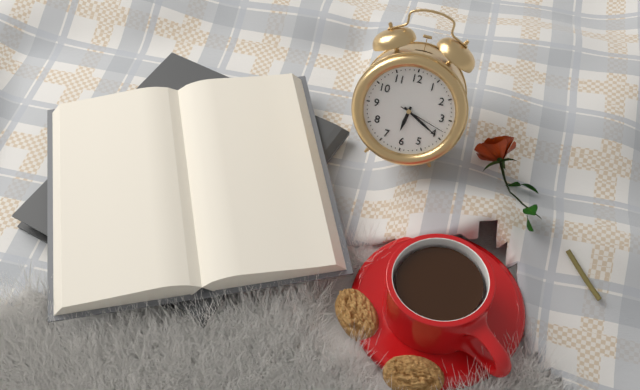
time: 6:20
